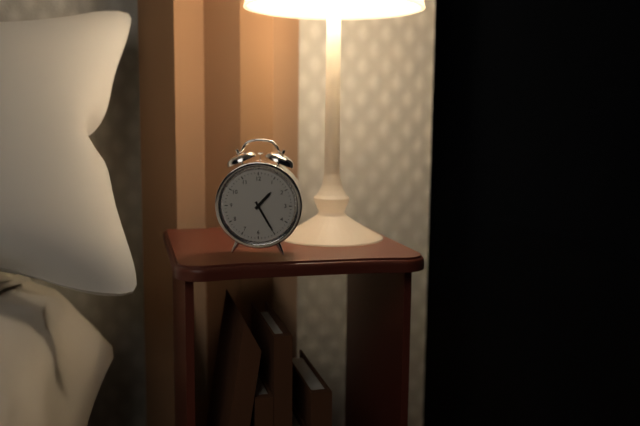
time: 1:25
